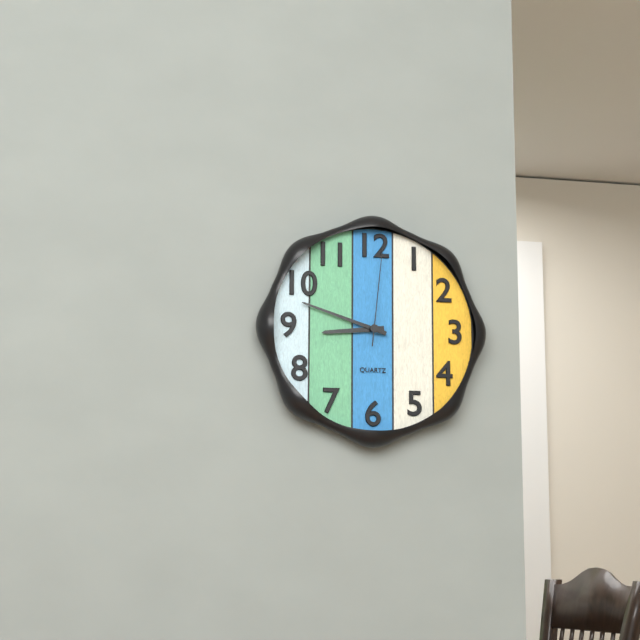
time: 8:48:01
